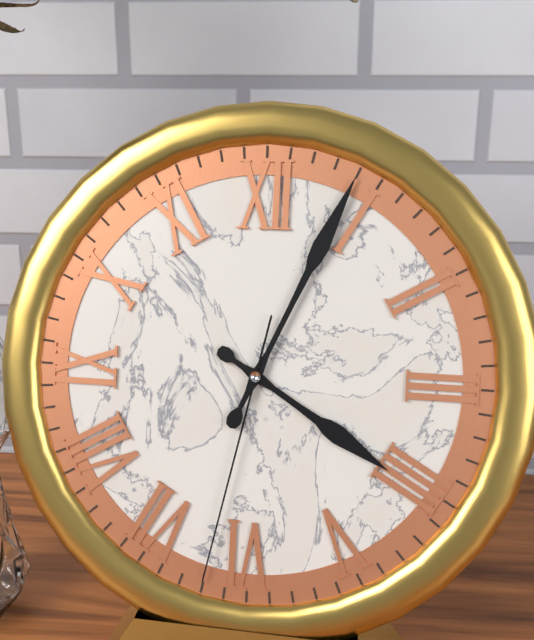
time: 4:04:32
